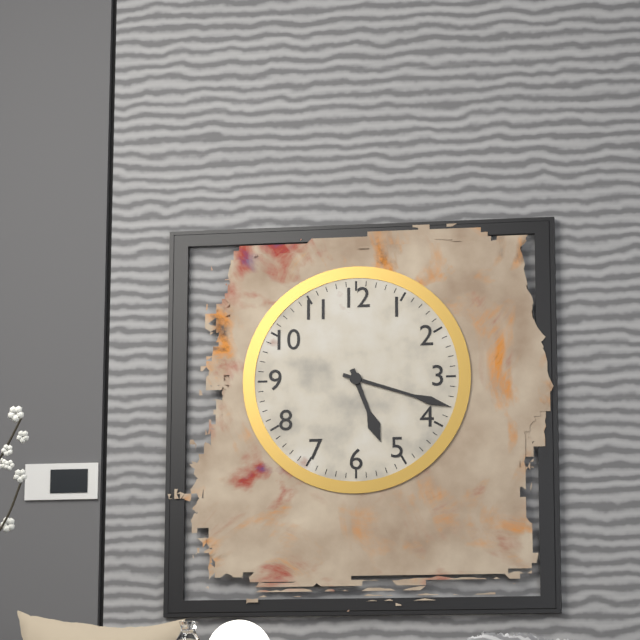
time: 5:18
